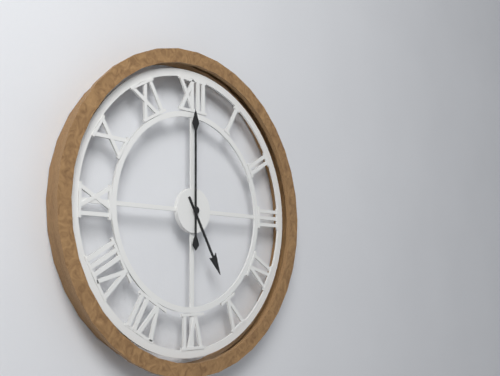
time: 5:00
